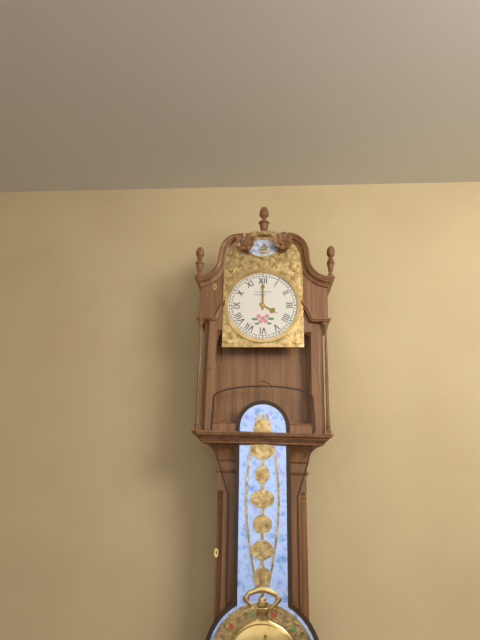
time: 4:00
